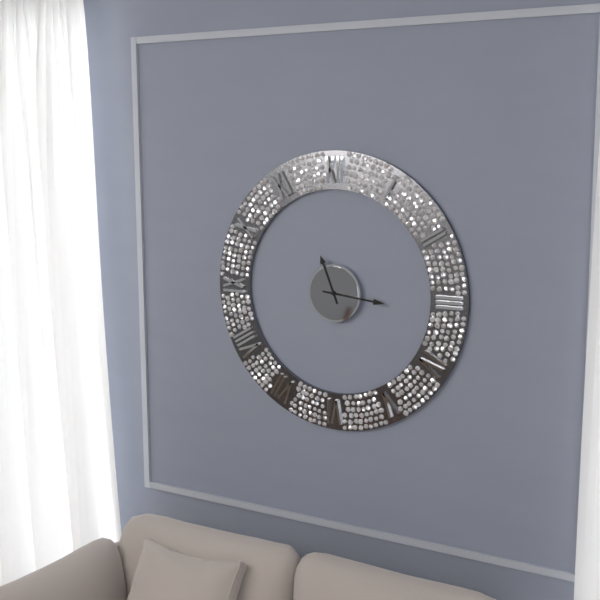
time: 11:16
